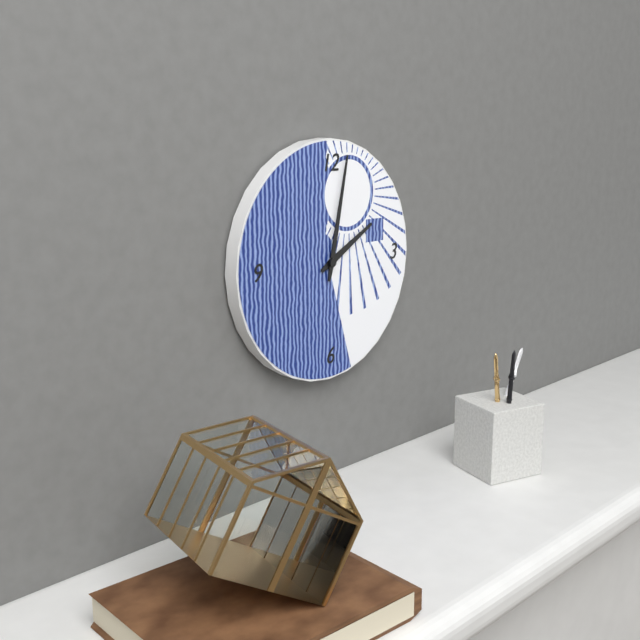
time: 2:02
